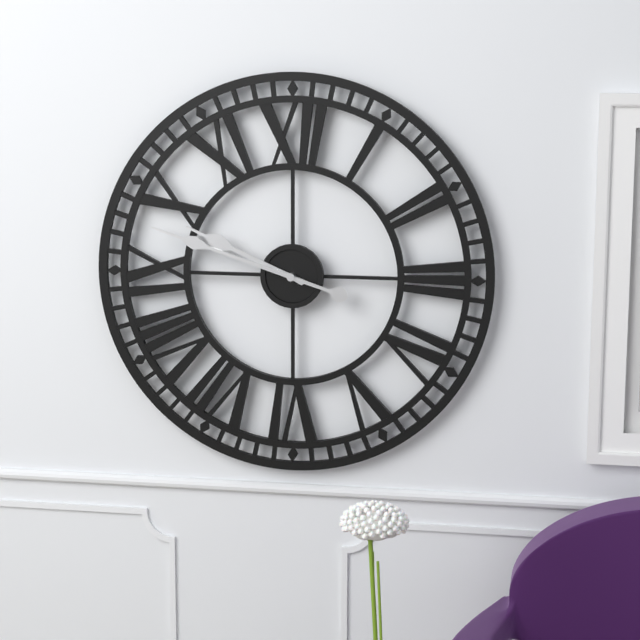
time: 9:48
